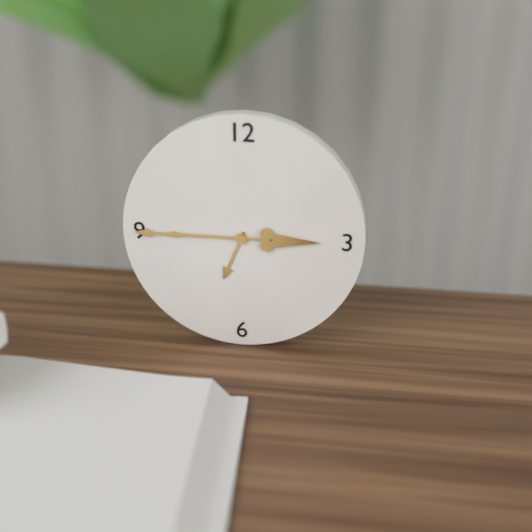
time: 6:45
